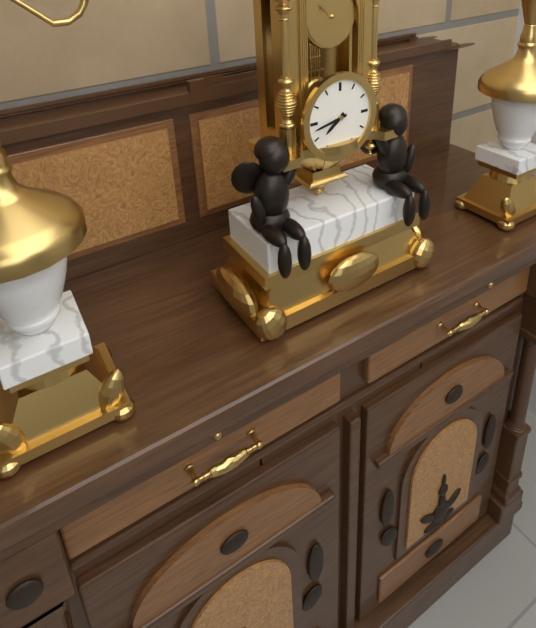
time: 7:43
